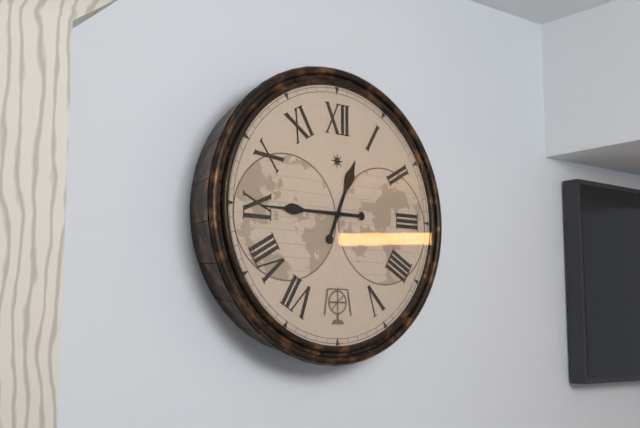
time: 12:45
